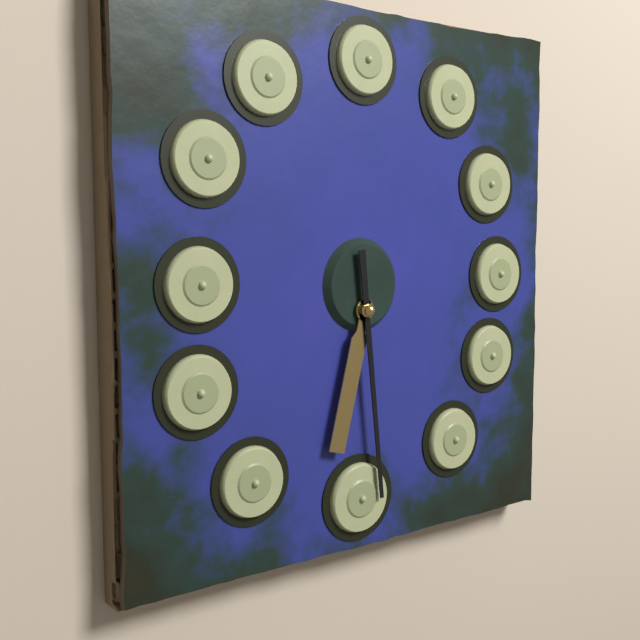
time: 6:29
